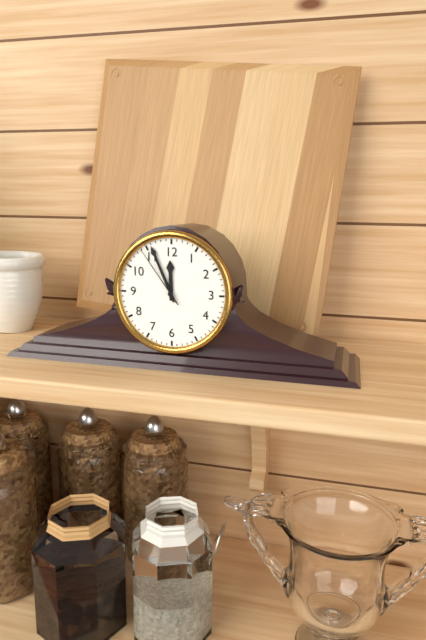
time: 11:56:54
